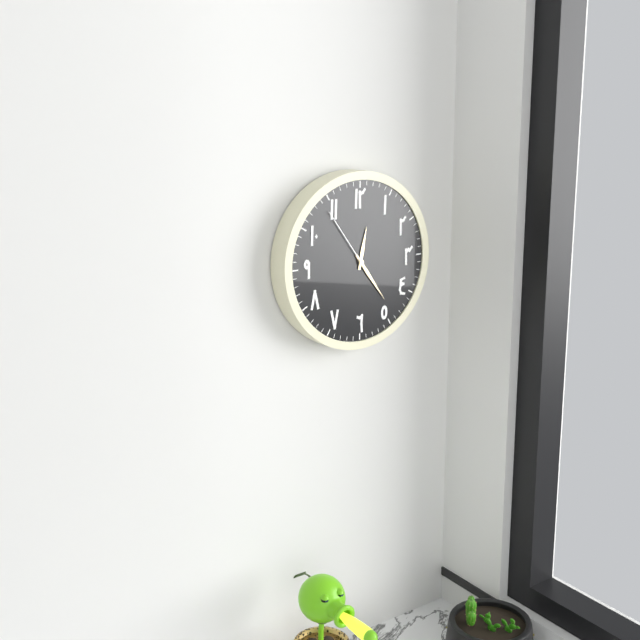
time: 12:24:54
